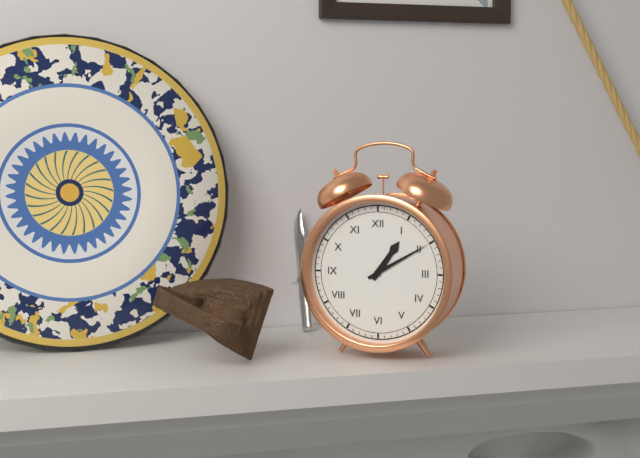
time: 1:10
